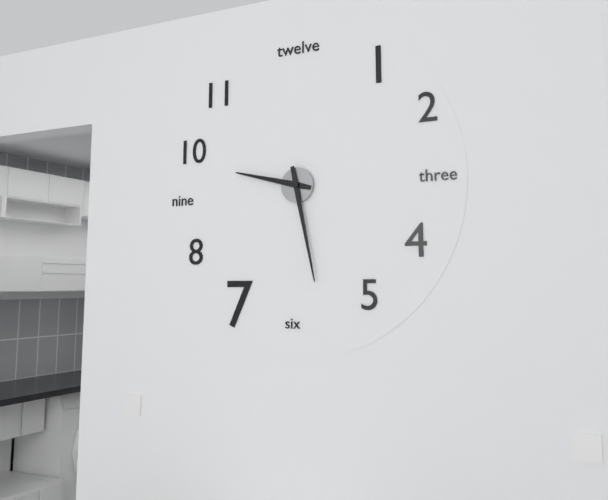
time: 9:28
